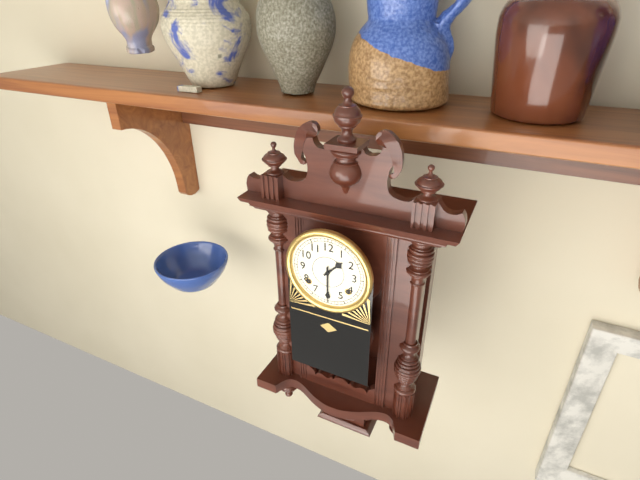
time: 1:30
